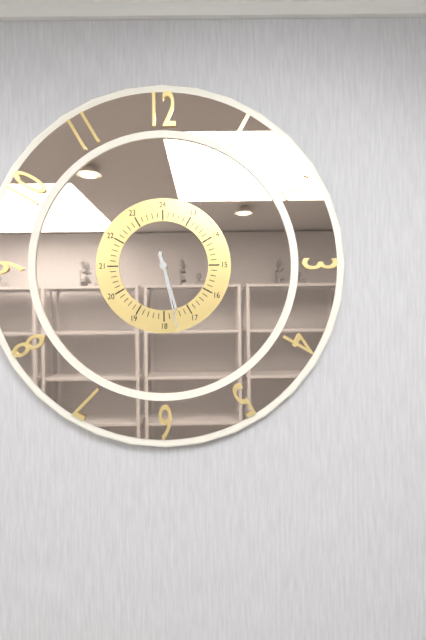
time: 5:28
